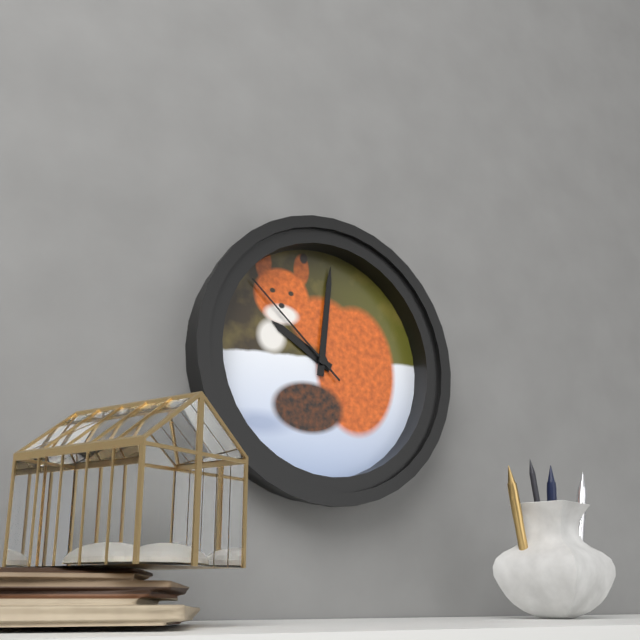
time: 10:01:52
